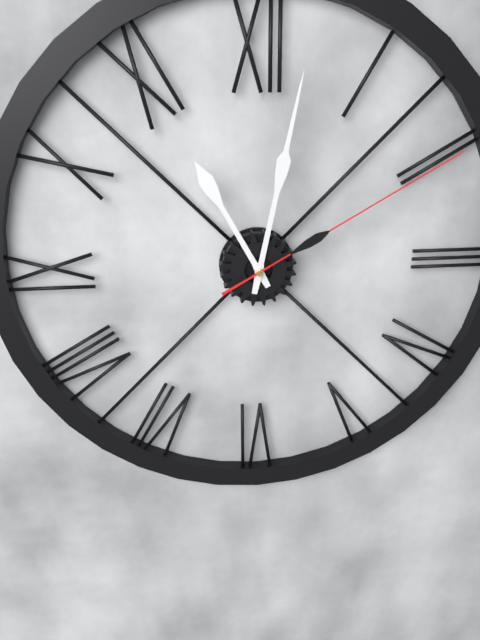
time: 11:02:10
